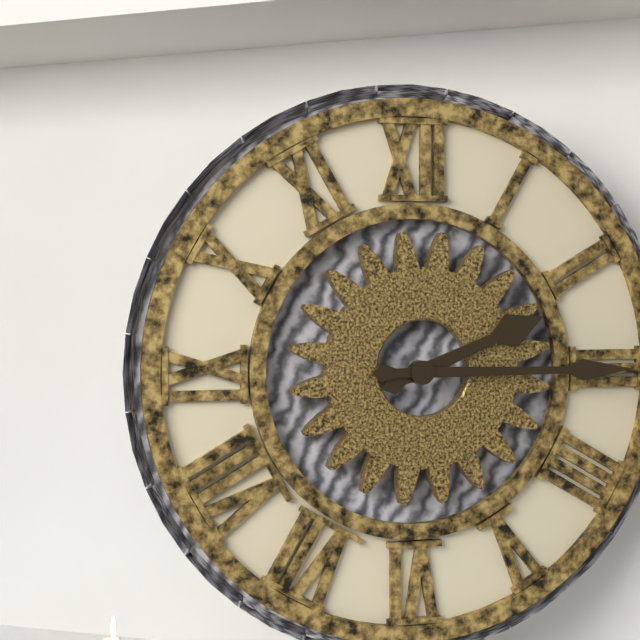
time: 2:15
